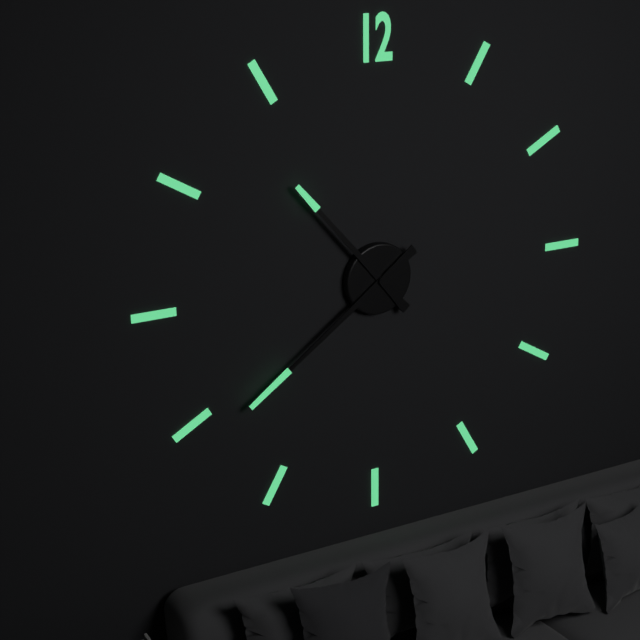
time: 10:39
